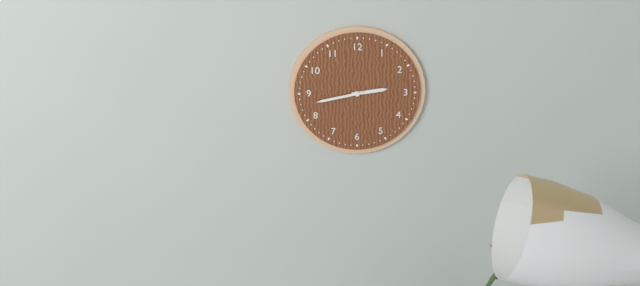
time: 2:43
